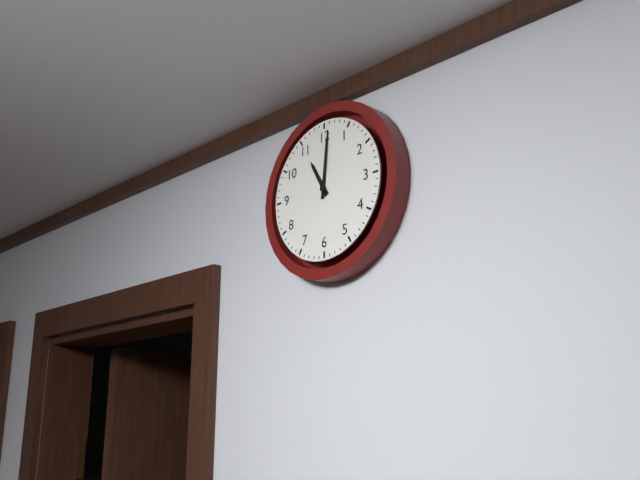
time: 11:01
